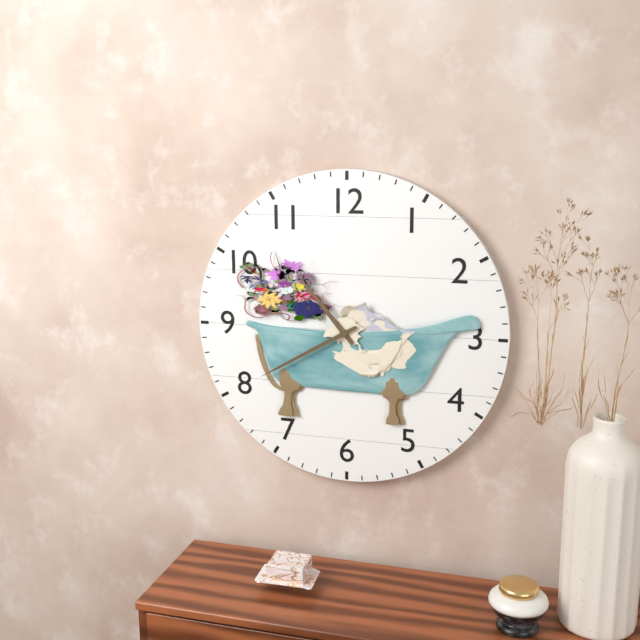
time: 10:40
